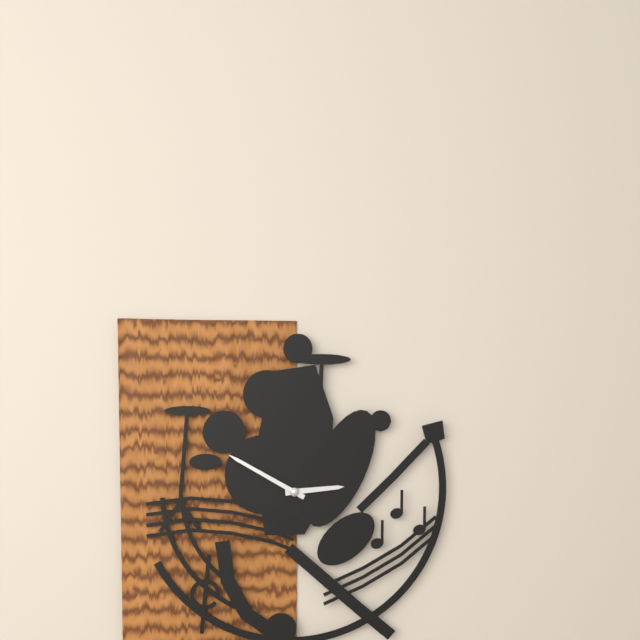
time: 2:50
